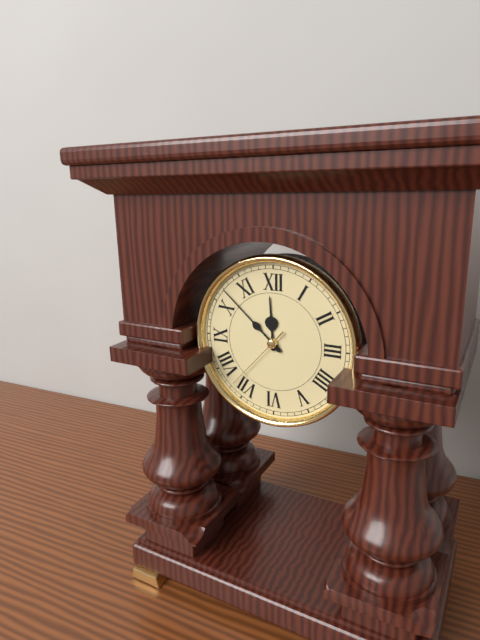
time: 11:52:37
